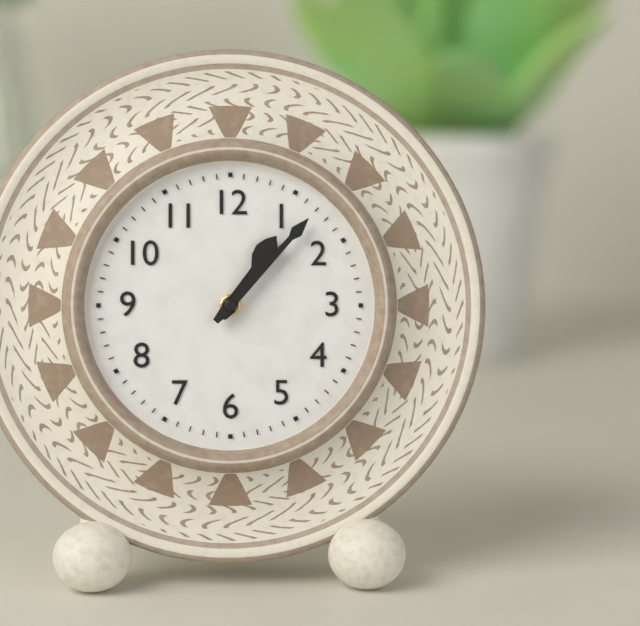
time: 1:07
